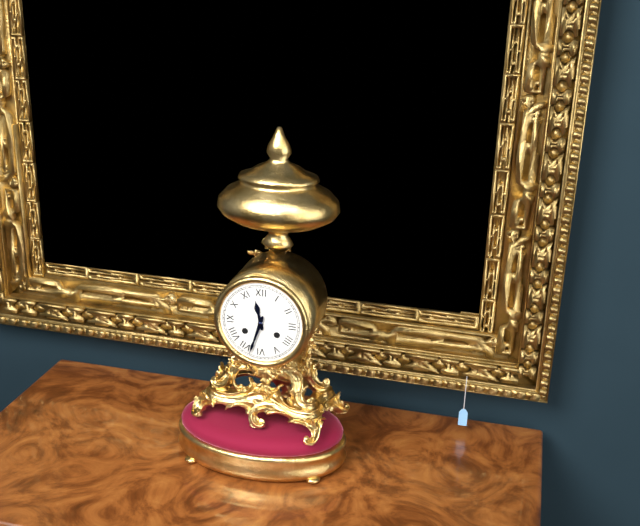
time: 11:33
